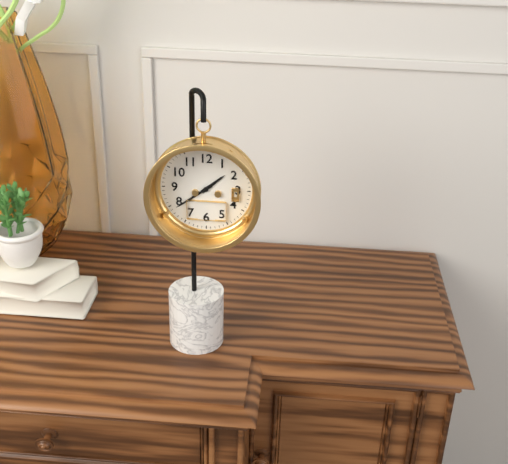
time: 1:39
